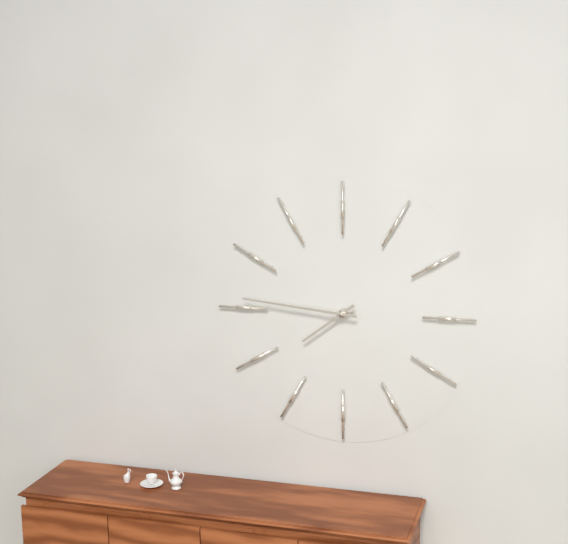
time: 7:46
